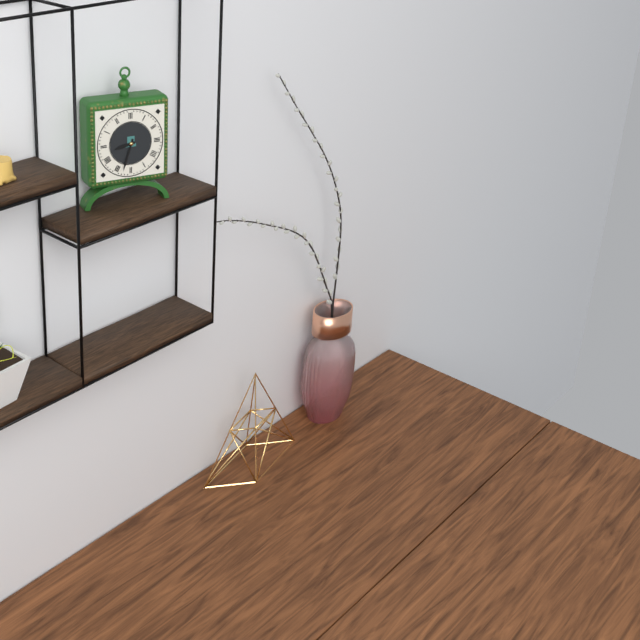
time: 8:33
